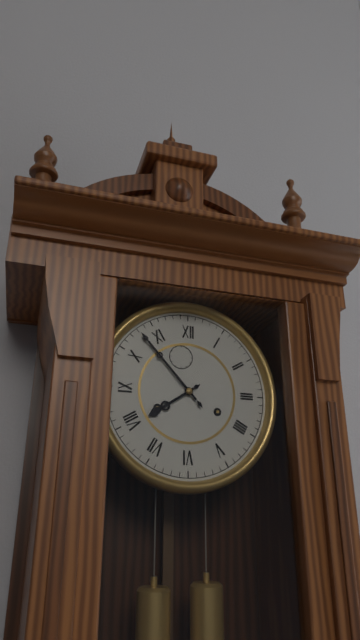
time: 7:53
